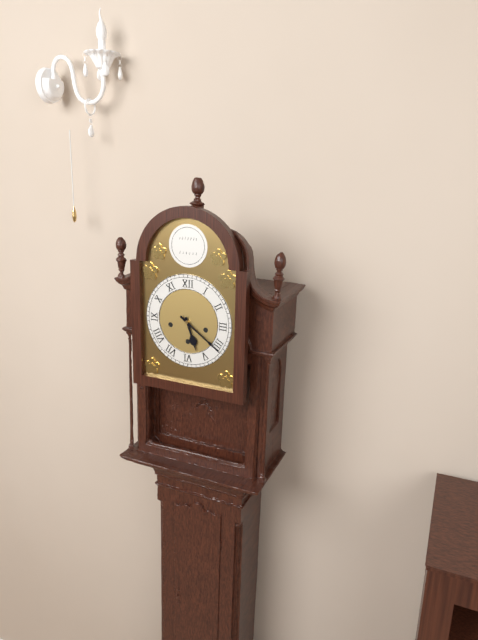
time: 5:21
